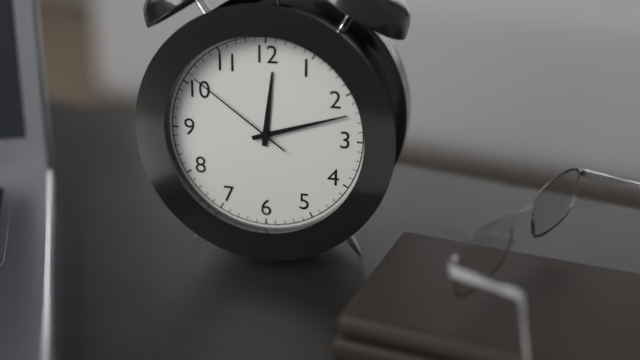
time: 12:12:51
